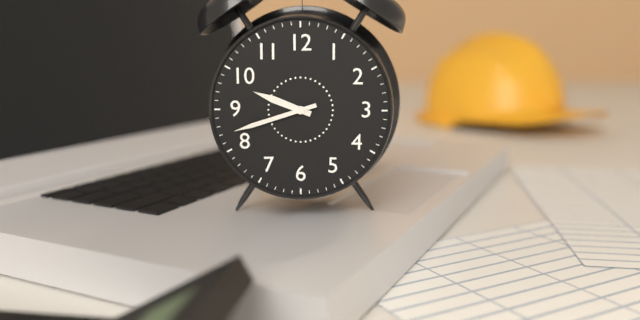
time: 9:42
